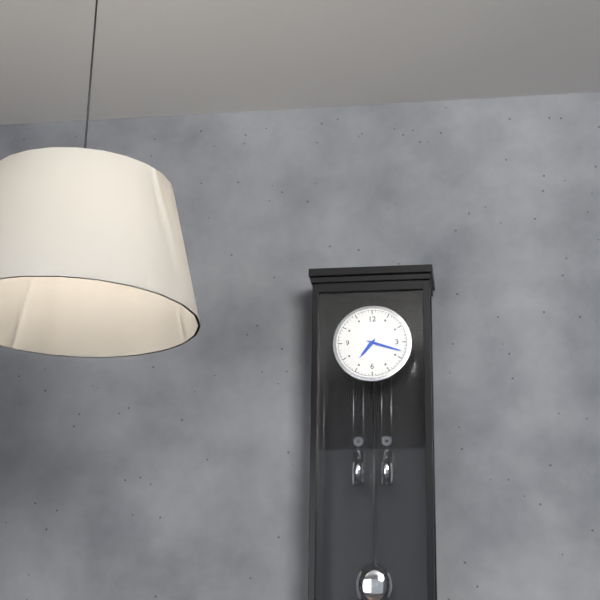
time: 7:18
